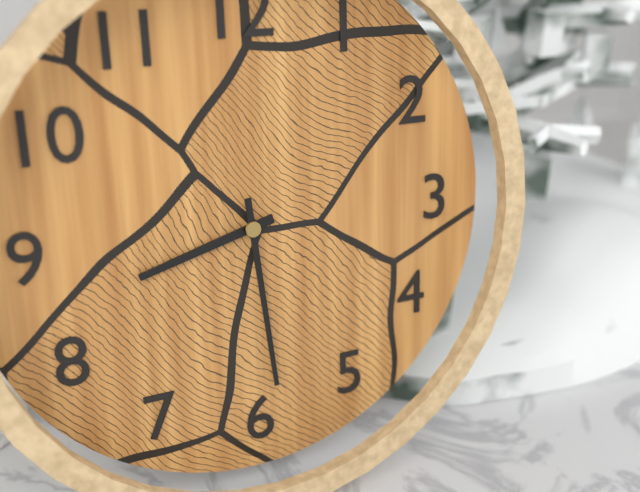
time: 8:29
